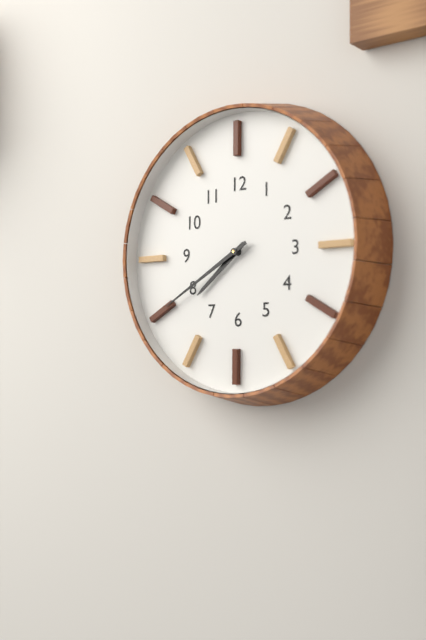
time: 7:40
